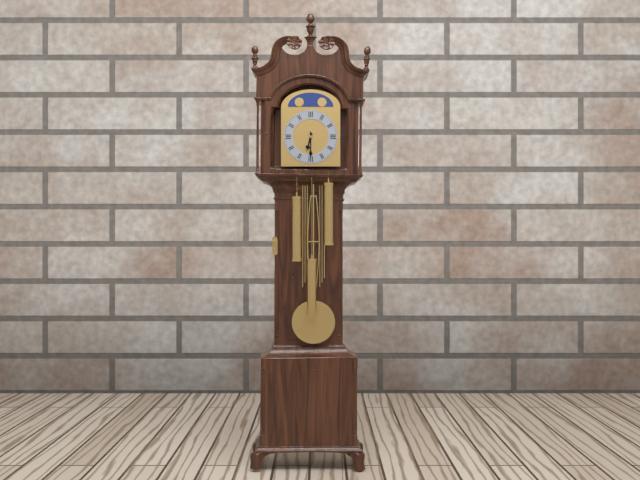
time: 6:30
